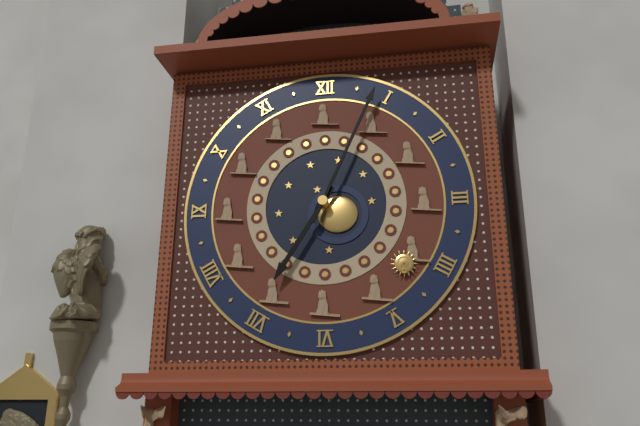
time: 7:04
